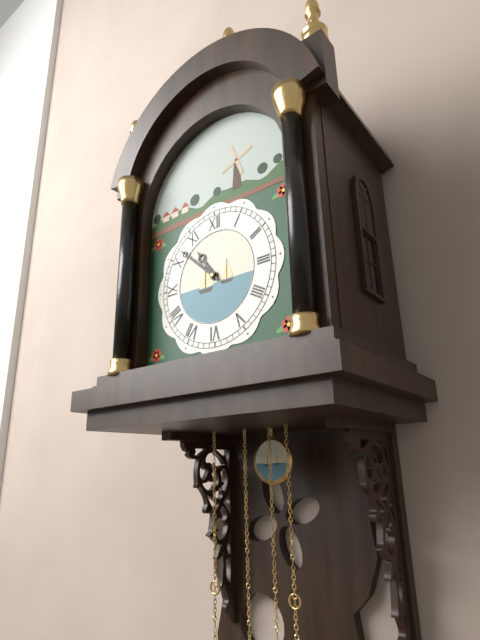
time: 10:52
